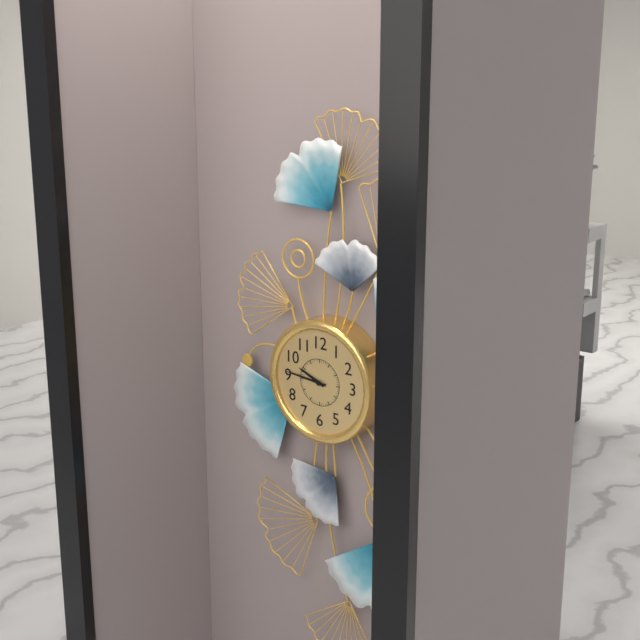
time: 9:46
